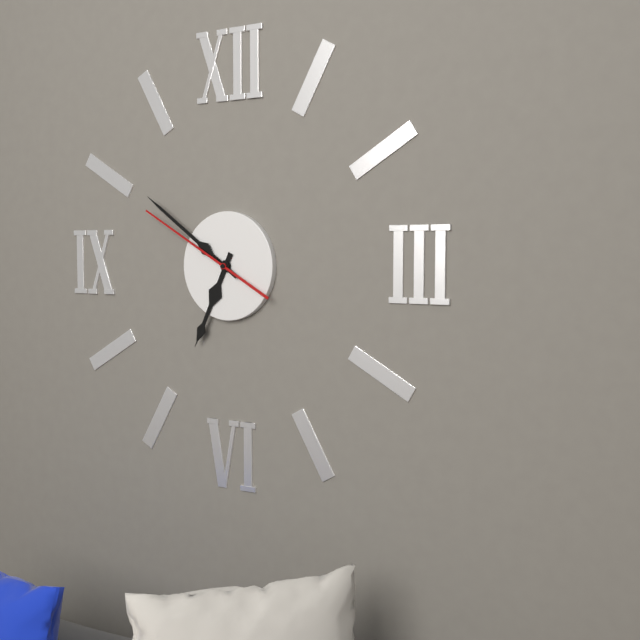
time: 6:51:50
